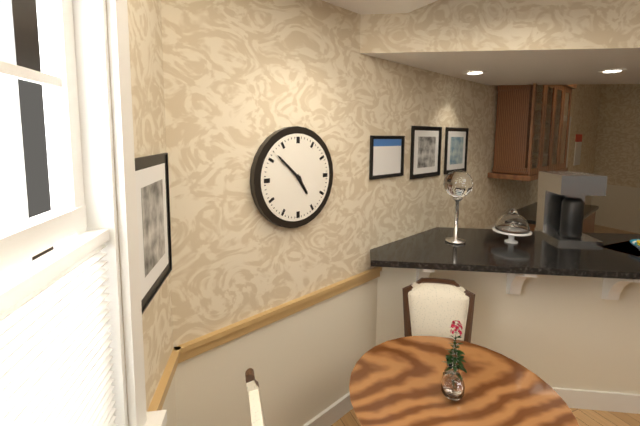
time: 4:52
